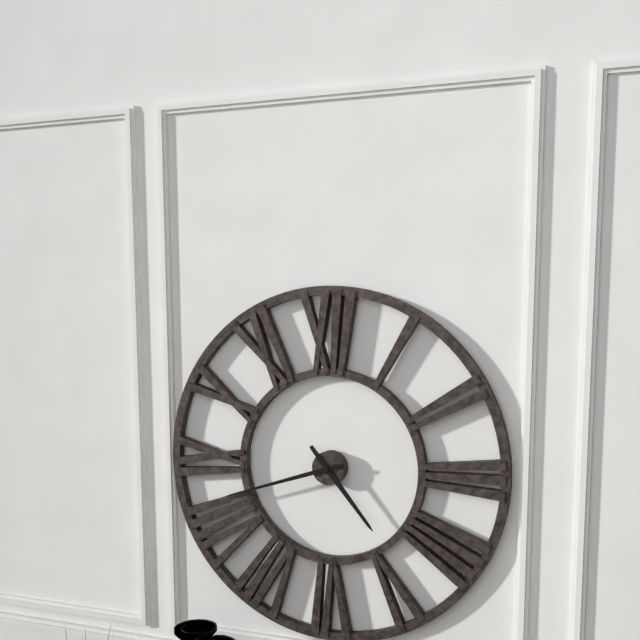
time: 4:42
